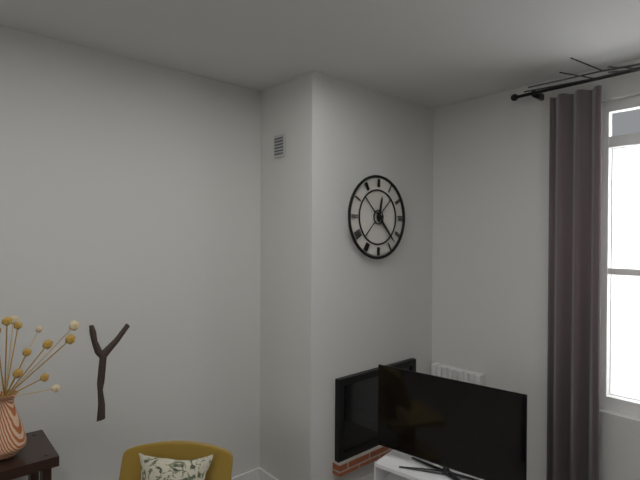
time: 12:23
